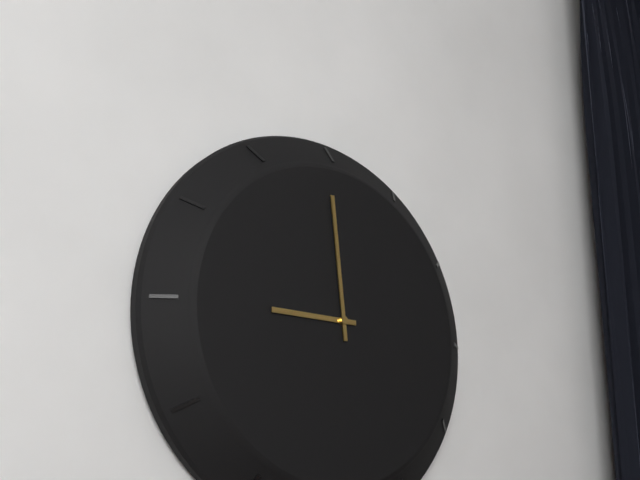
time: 8:59
